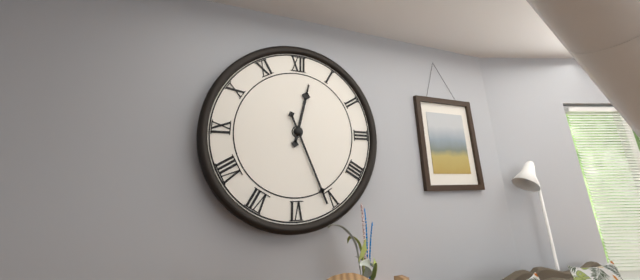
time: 12:26
